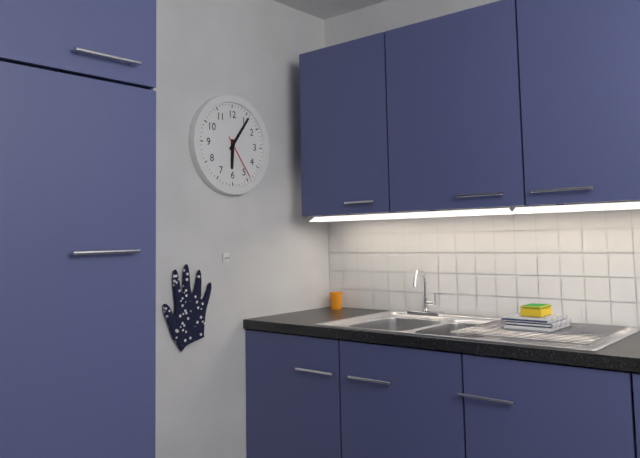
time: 6:06
